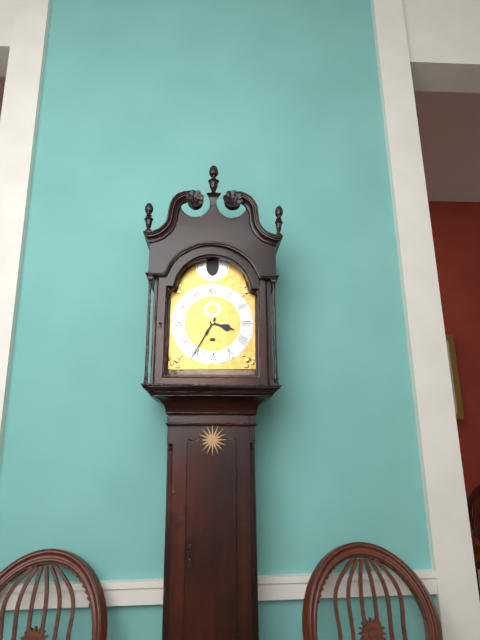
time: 3:35
